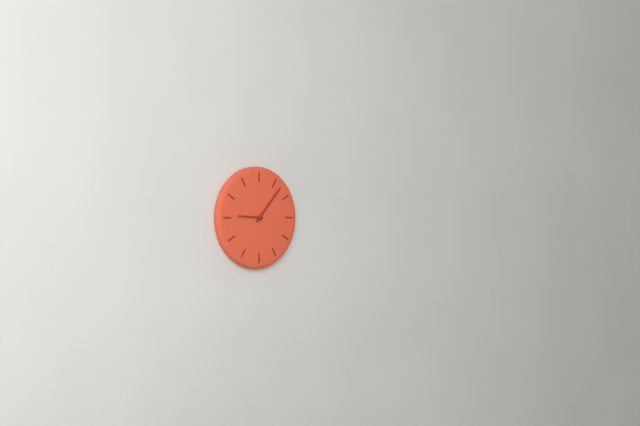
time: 9:07
